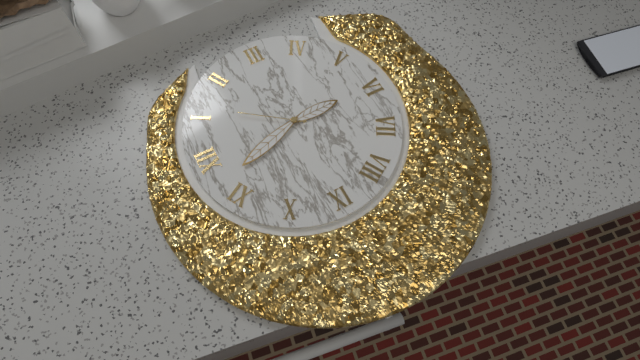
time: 5:57:06
